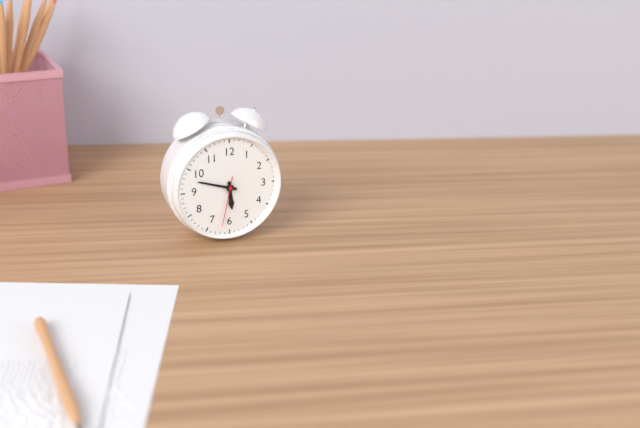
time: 5:48:32
